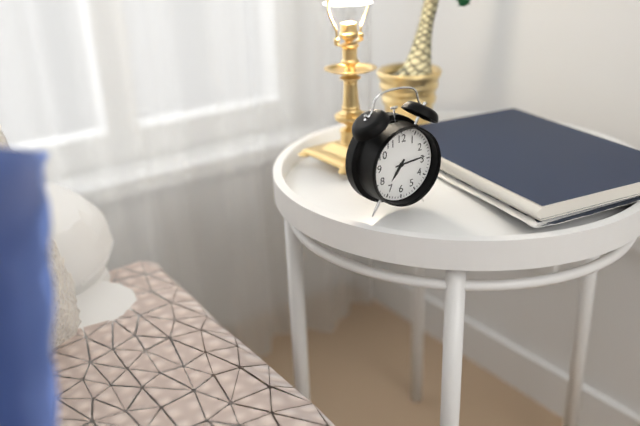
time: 7:14
